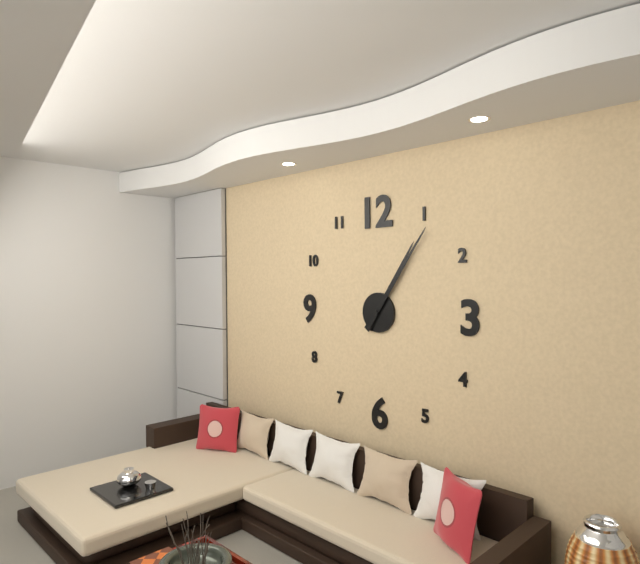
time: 1:06
